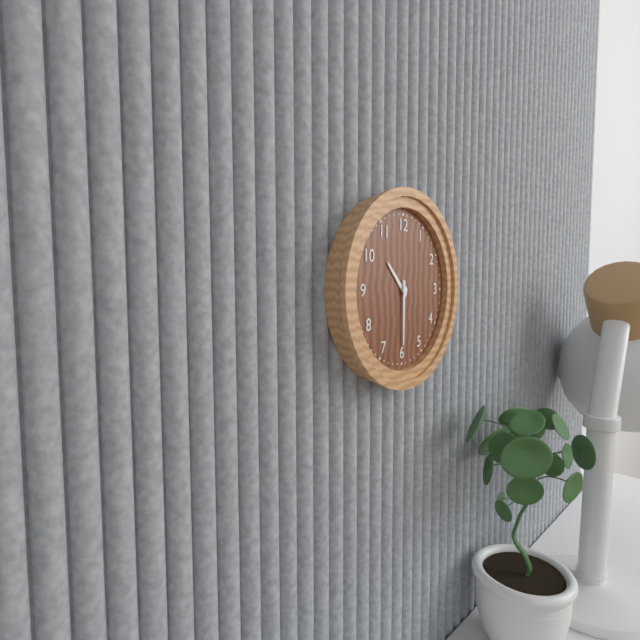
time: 10:30
